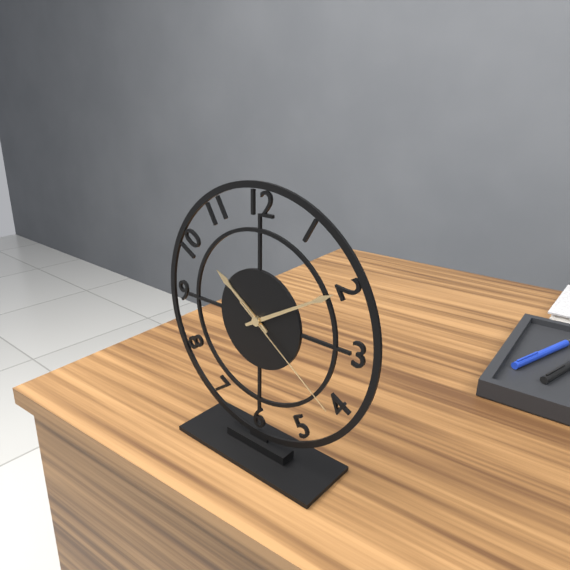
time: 10:10:21
